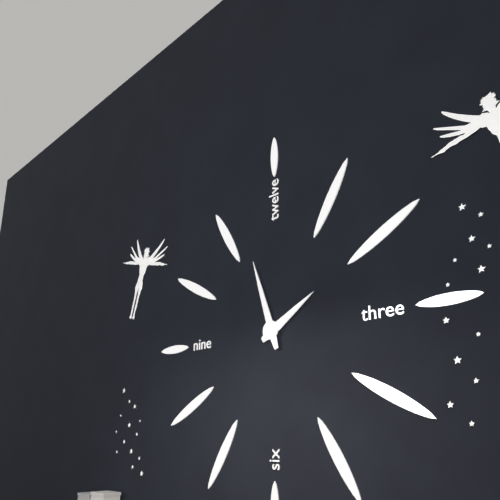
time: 1:57
